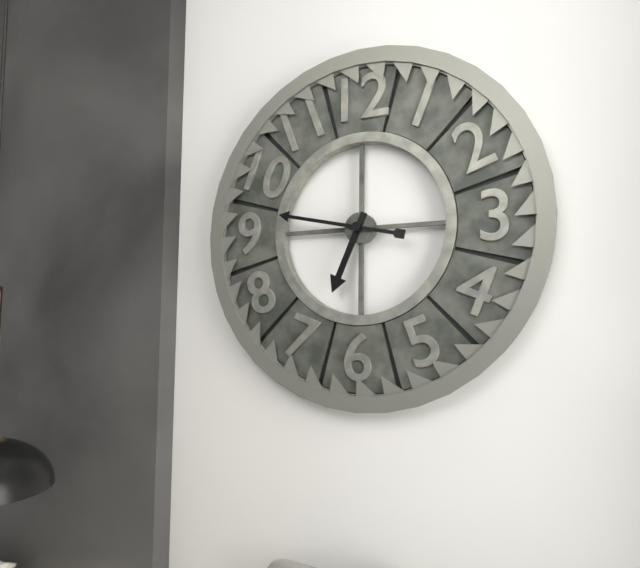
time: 6:47
